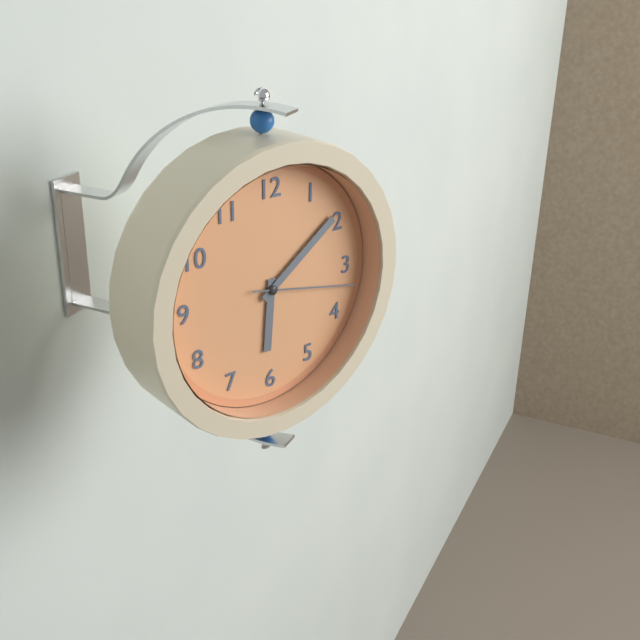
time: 6:09:17
